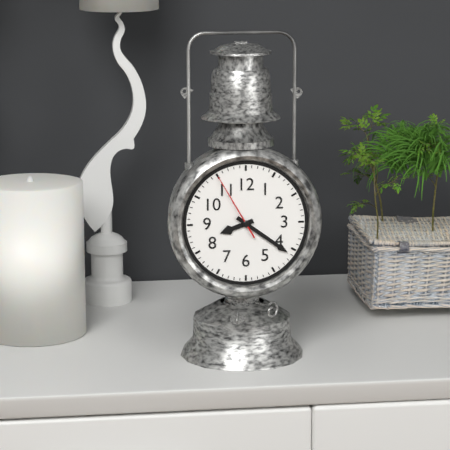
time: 8:21:55
